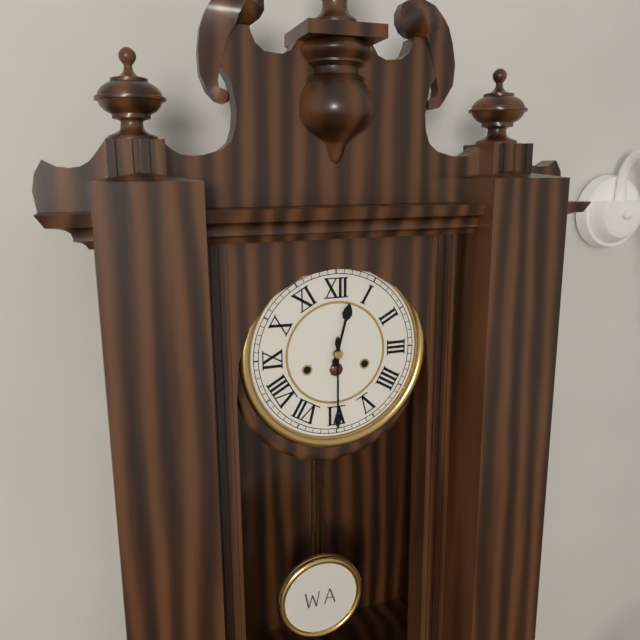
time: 12:30
